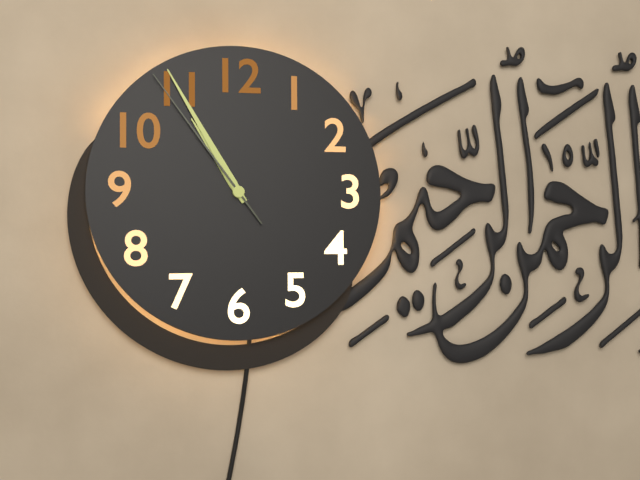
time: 10:55:54
